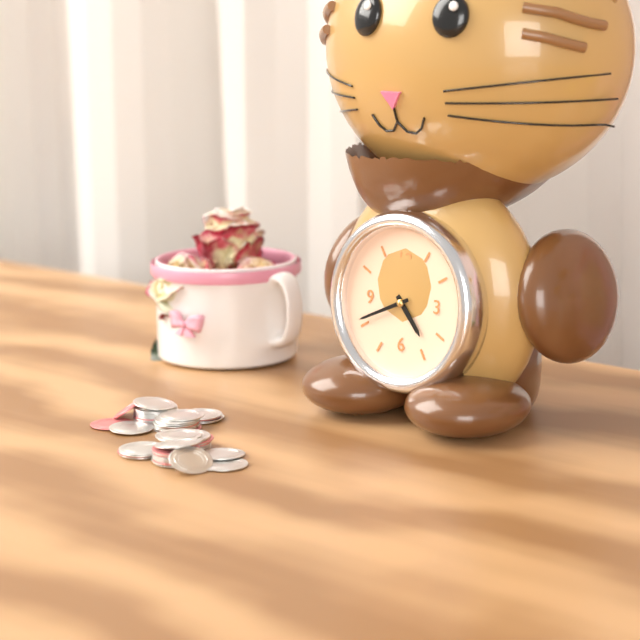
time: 4:41
